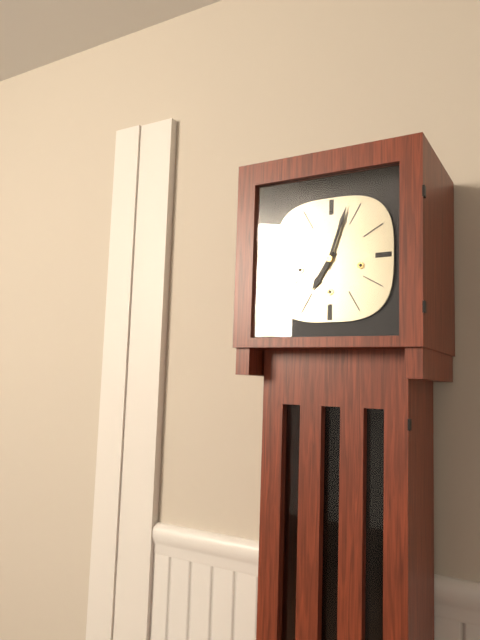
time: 7:03
